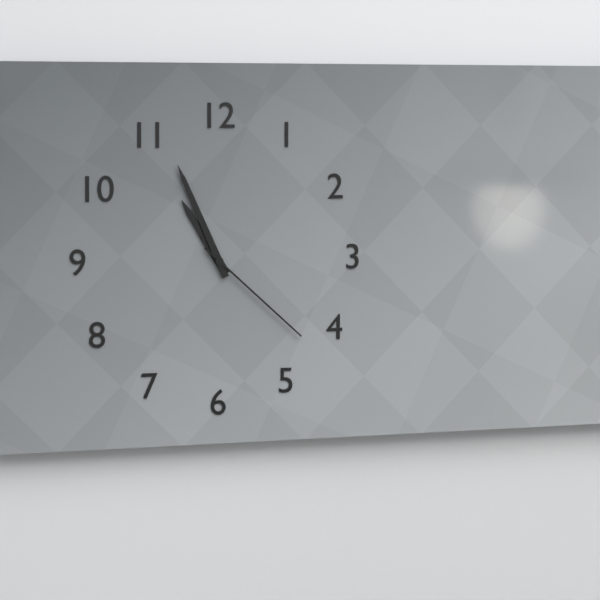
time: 10:56:22
